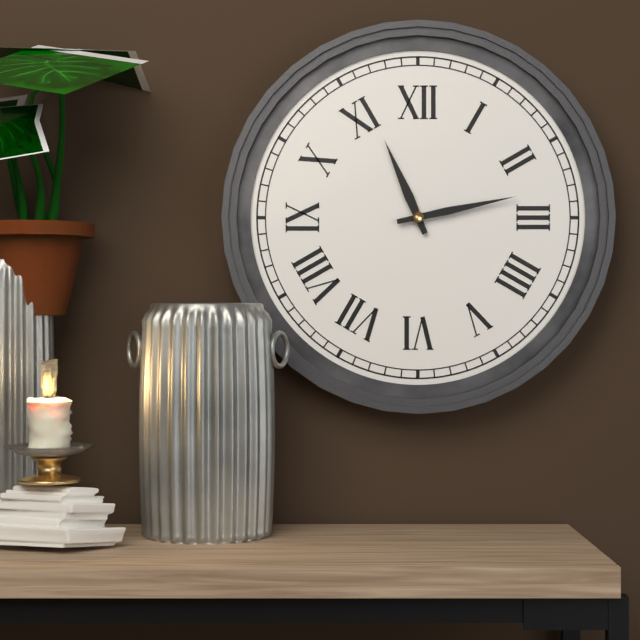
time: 11:13
